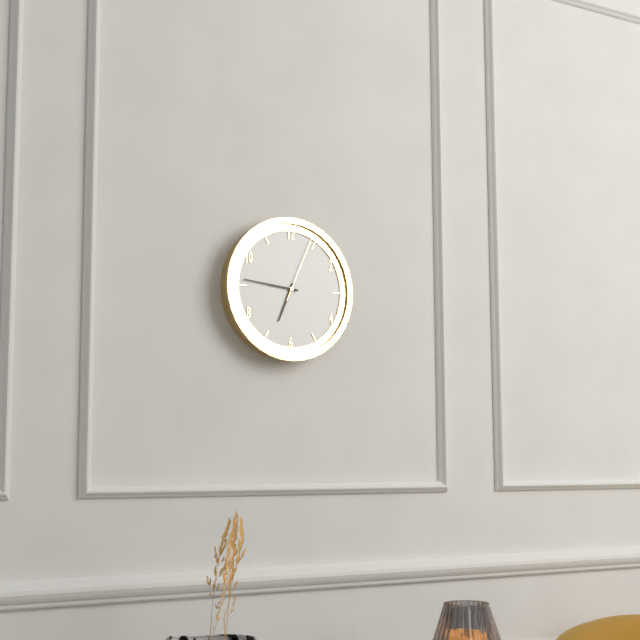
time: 6:46:04
